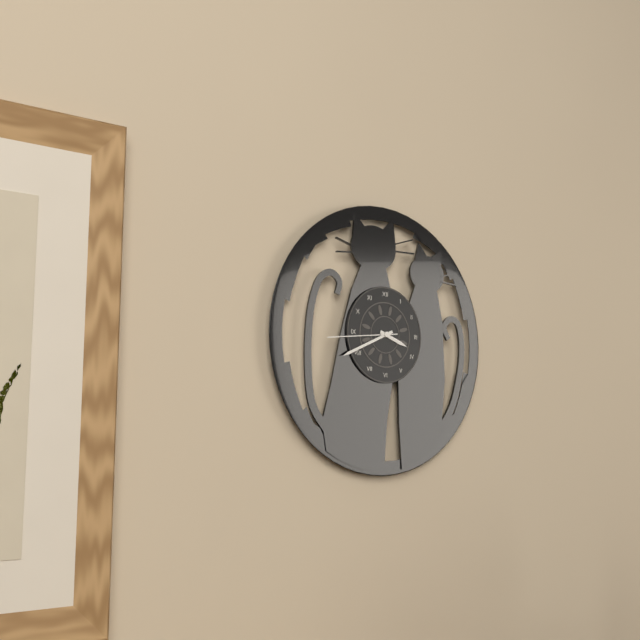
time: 3:41:44
